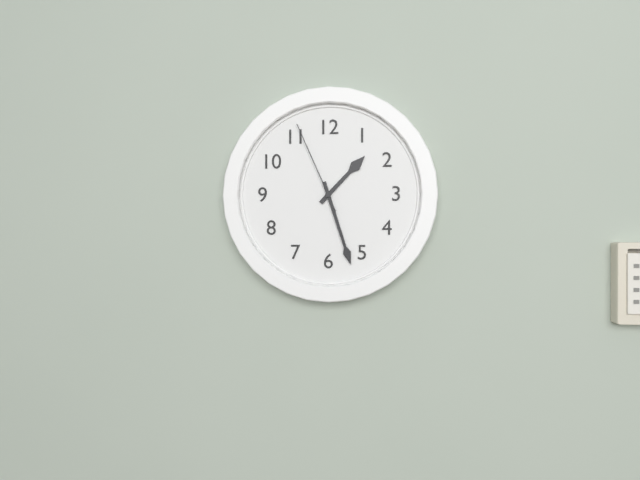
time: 1:27:56
